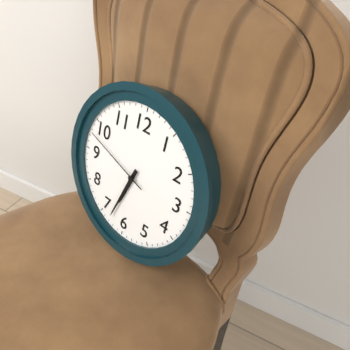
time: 6:33:48
